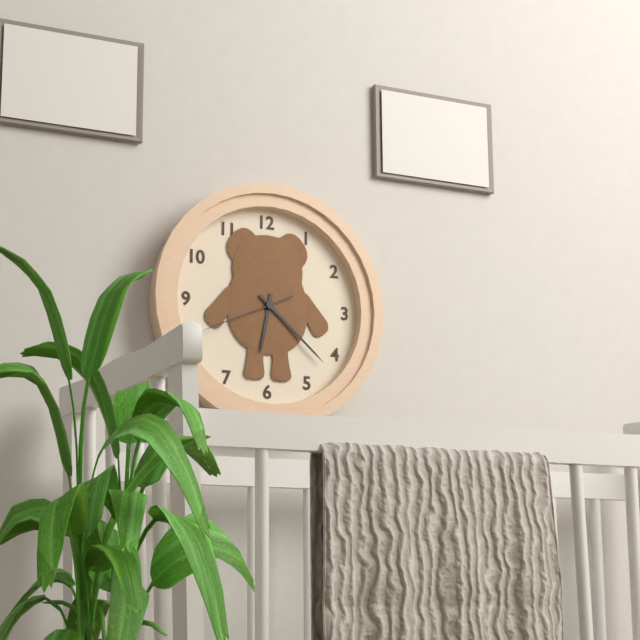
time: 6:22:41
